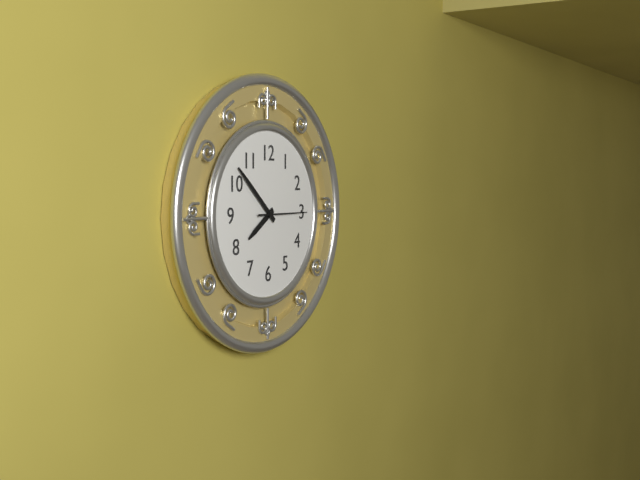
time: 7:52:15
